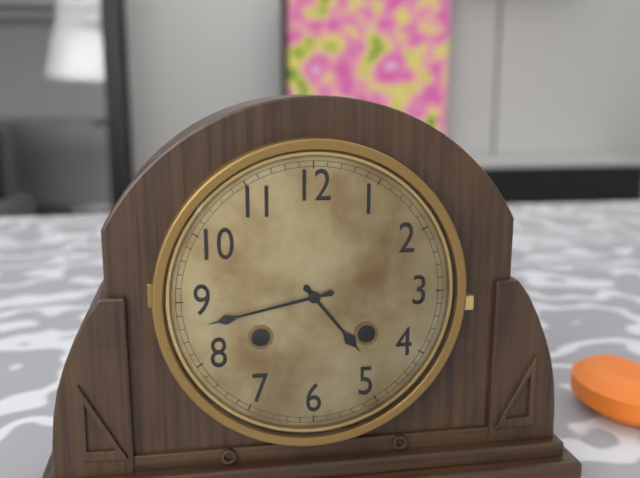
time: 4:43
